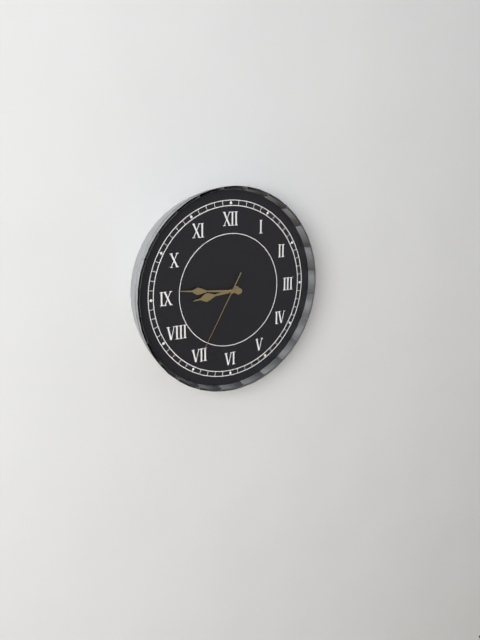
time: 8:46:35
